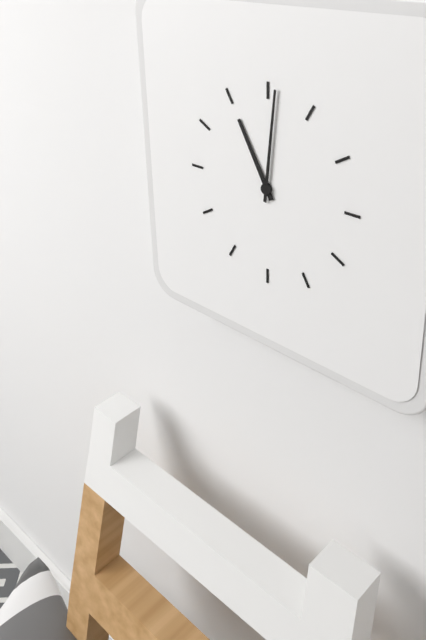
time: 11:01
